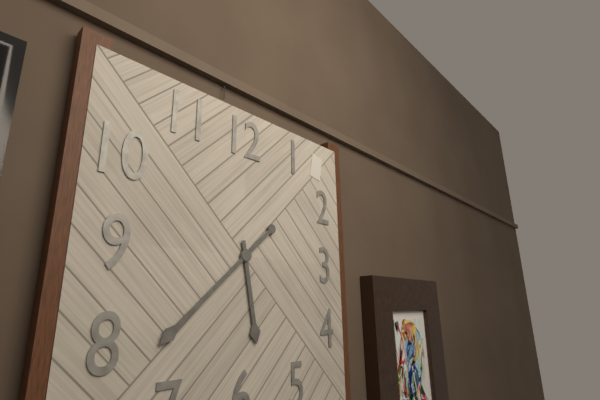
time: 5:38
